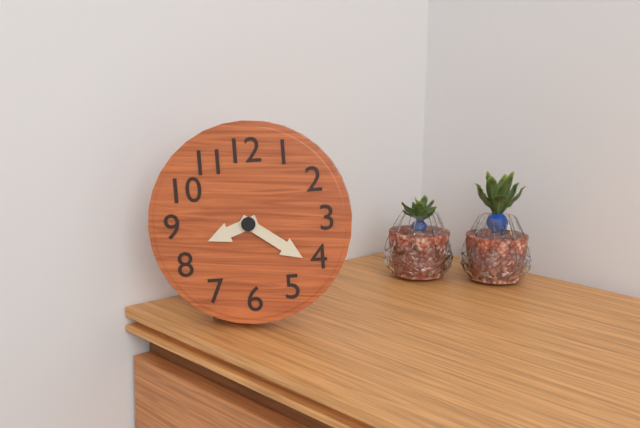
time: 8:21
